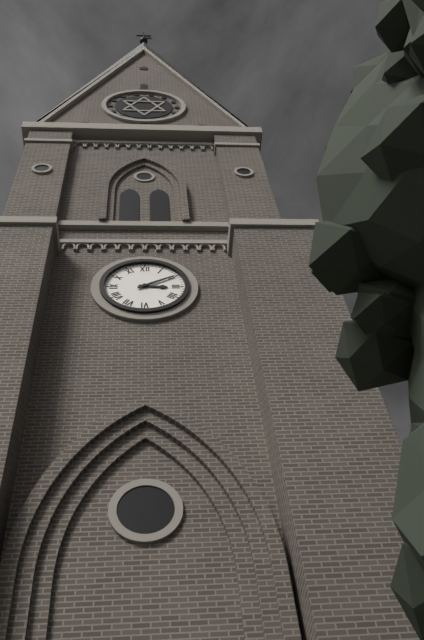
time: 3:10
